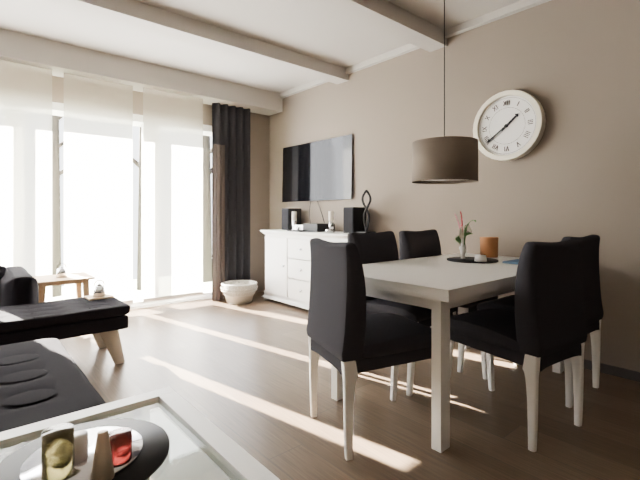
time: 1:39
